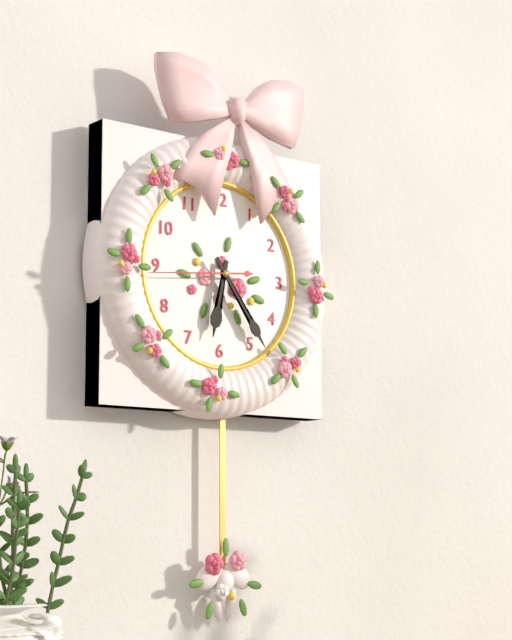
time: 6:24:44
